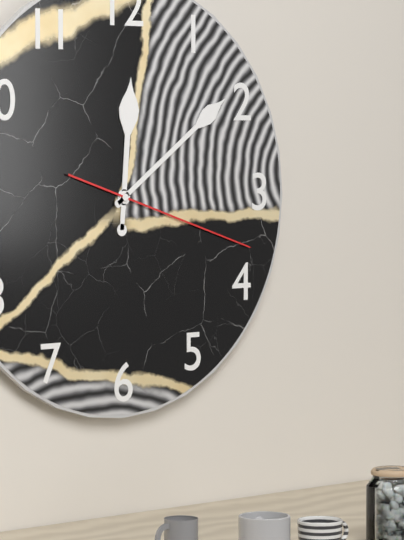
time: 12:09:18
